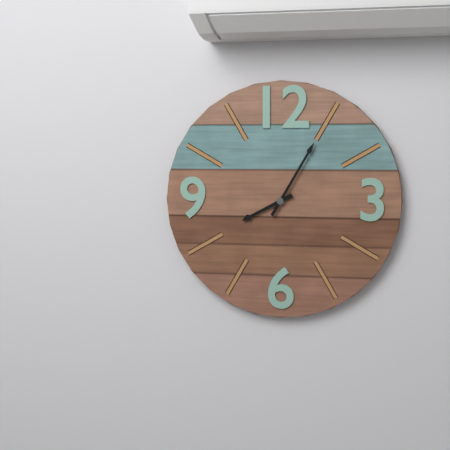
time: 8:05
